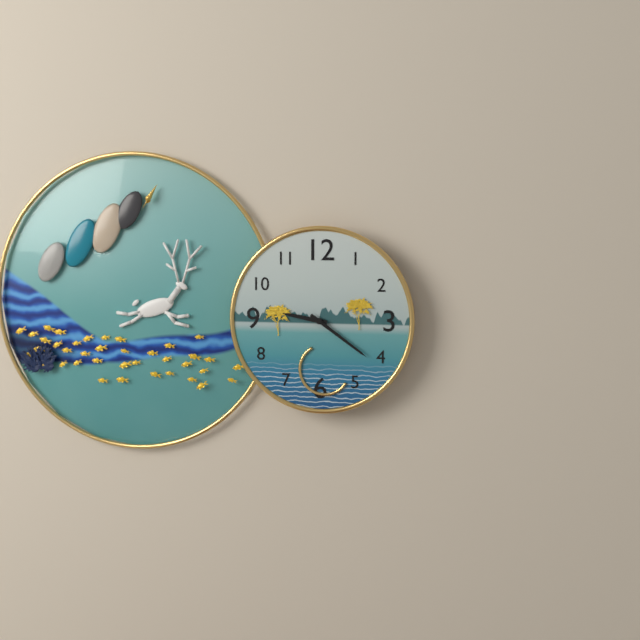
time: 9:21
